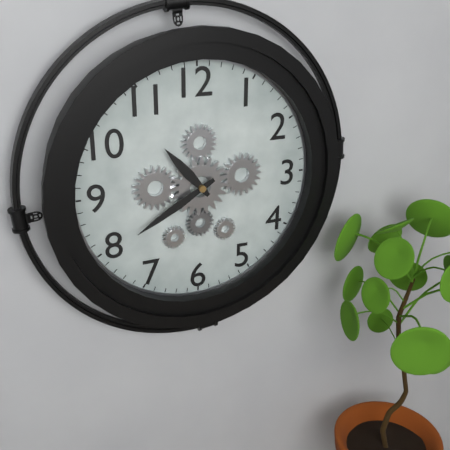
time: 10:40
